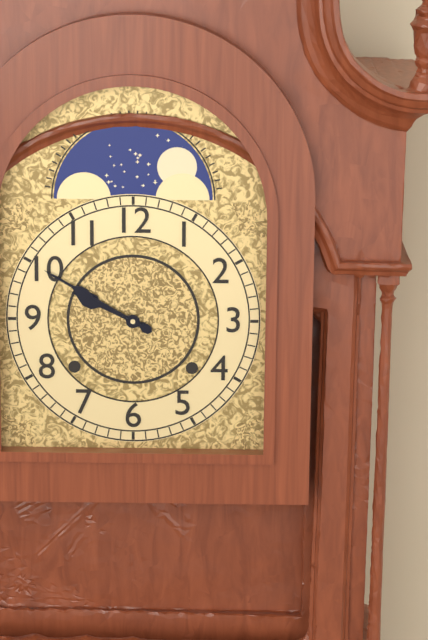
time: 9:50
